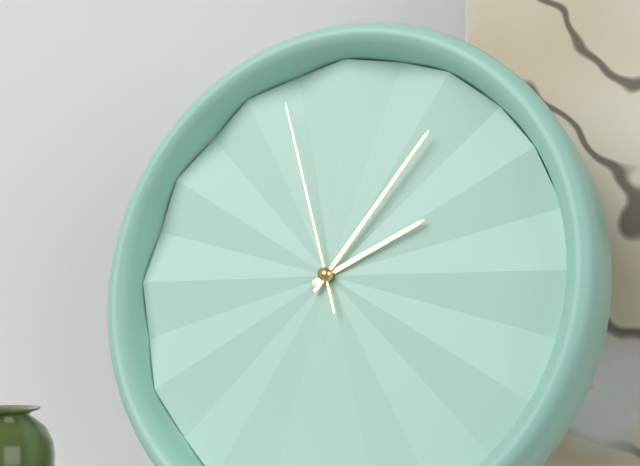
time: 2:06:57
